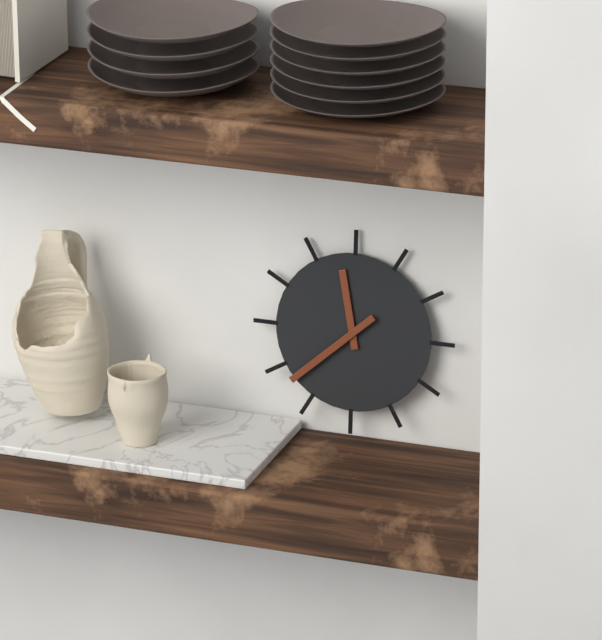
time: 11:38
